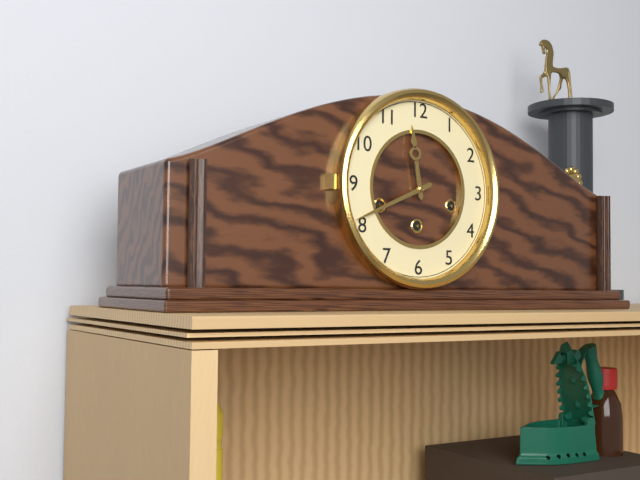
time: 11:41
